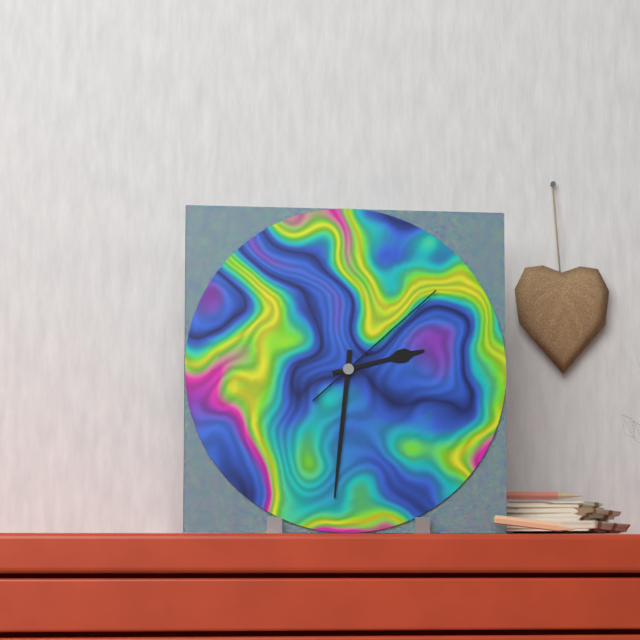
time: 2:31:08
